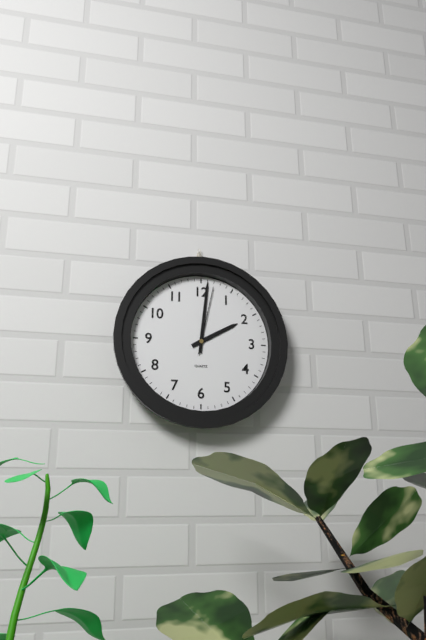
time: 2:01:02
